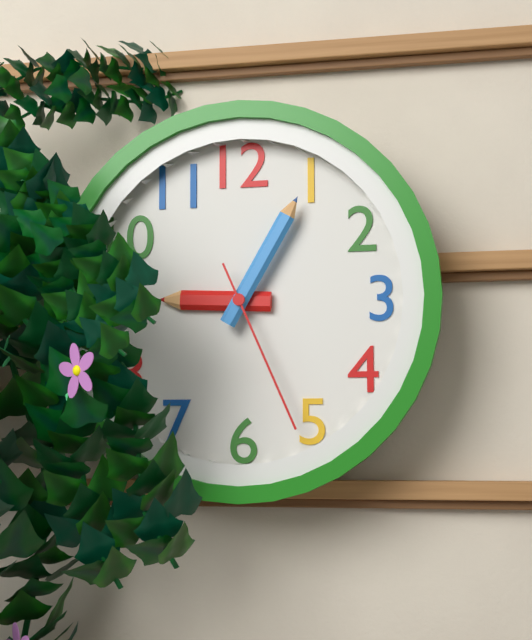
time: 9:05:26
